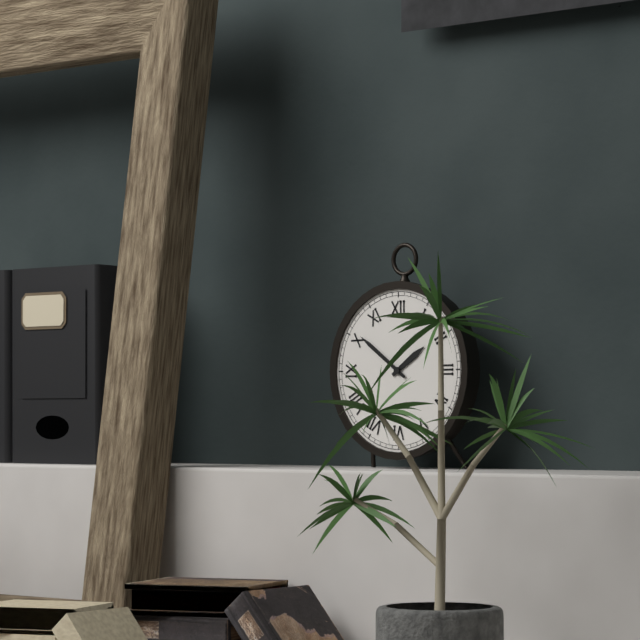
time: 1:51
